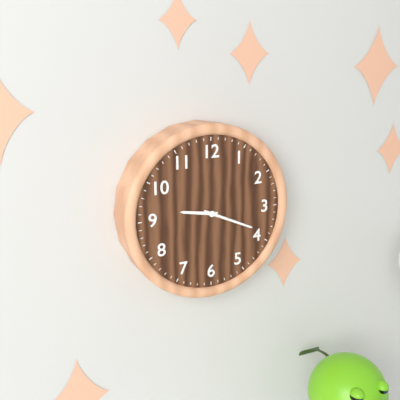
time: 9:19
